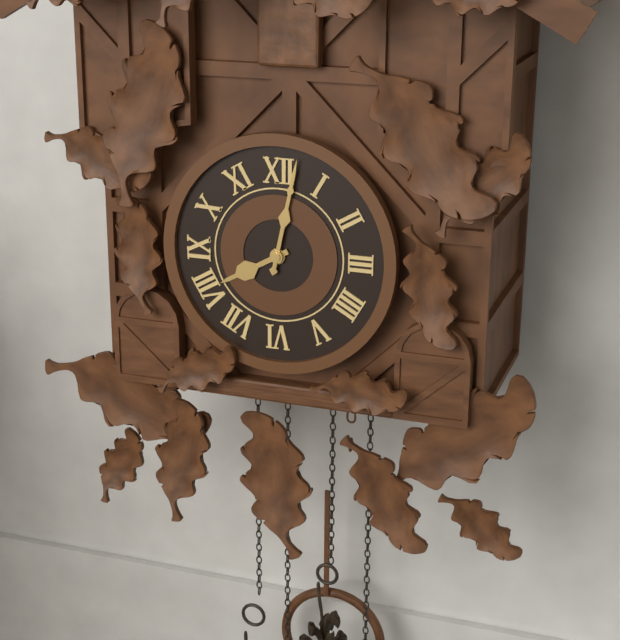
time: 8:02
